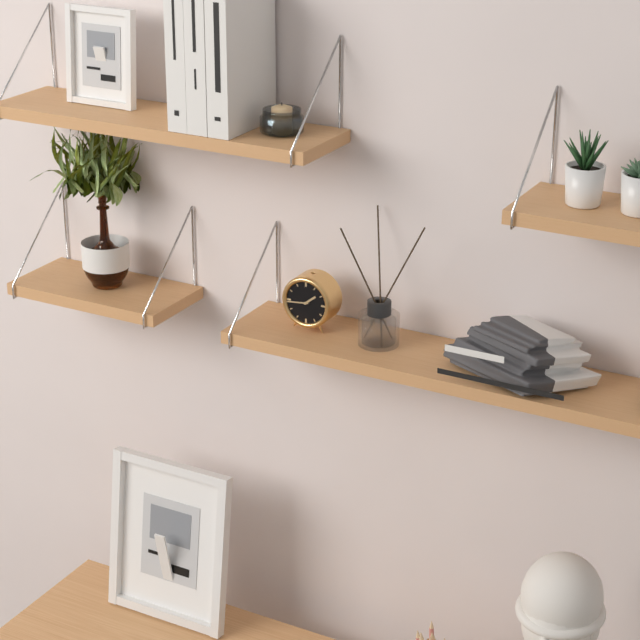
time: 1:44
